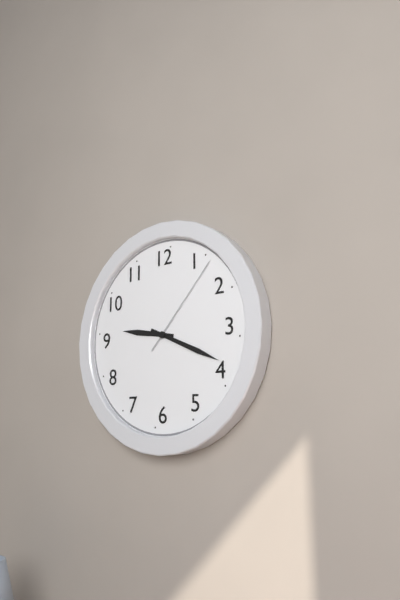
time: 9:19:07
